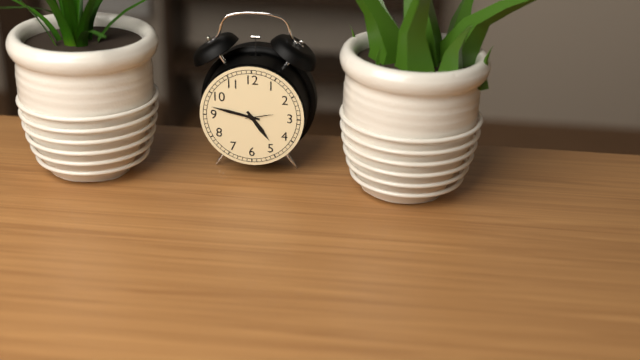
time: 4:47
